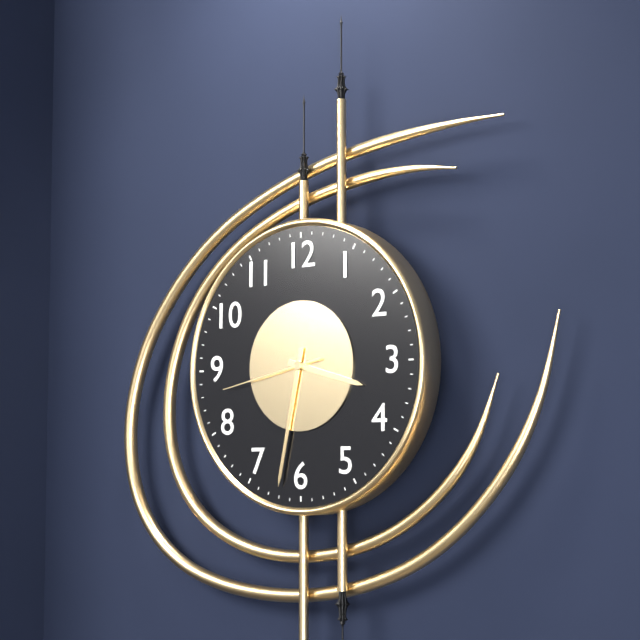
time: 3:32:43
